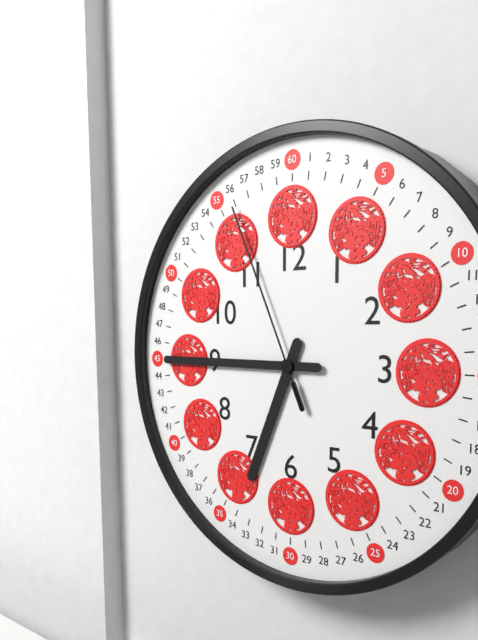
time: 6:45:56
